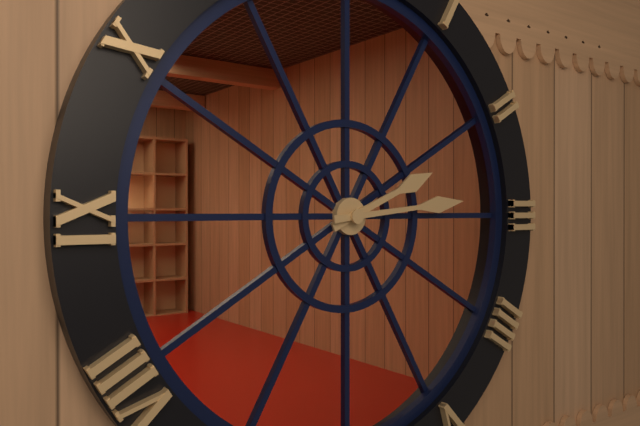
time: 2:14
